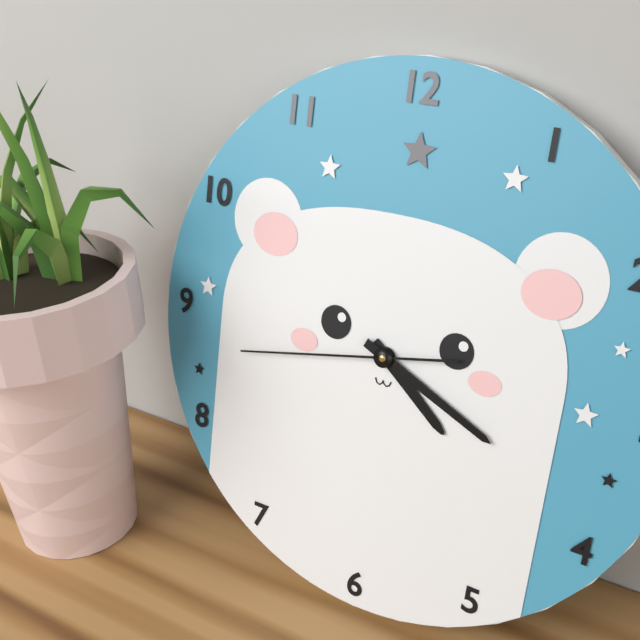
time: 4:19:43
